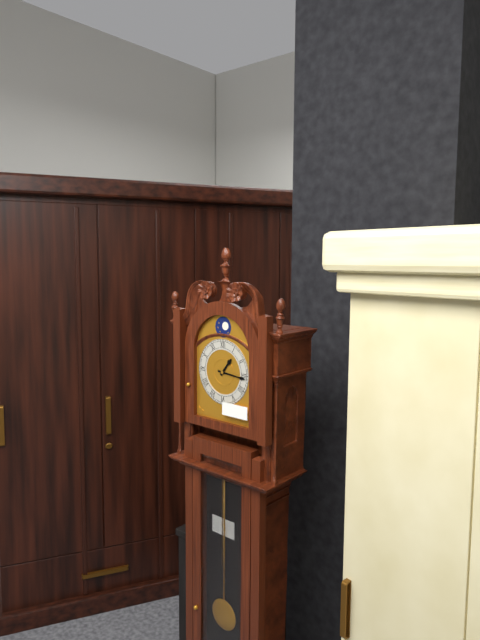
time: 1:16
